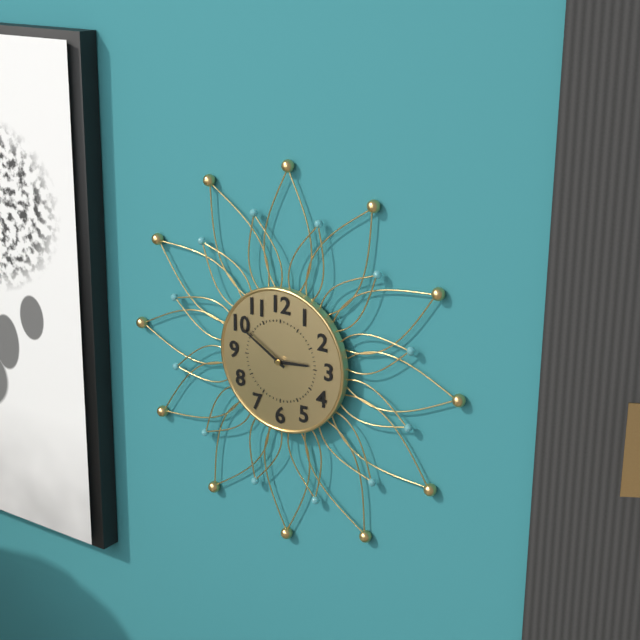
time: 2:50
